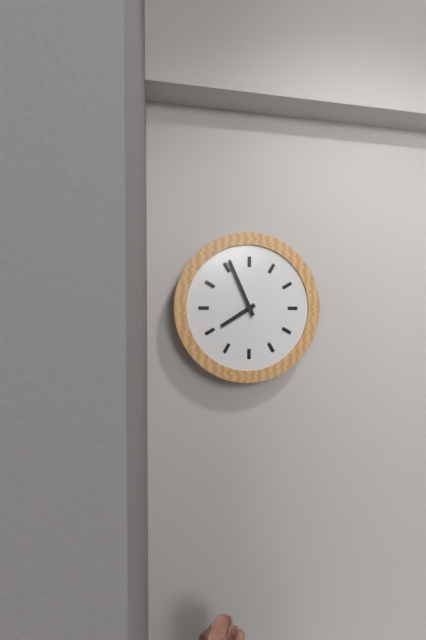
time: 7:56
